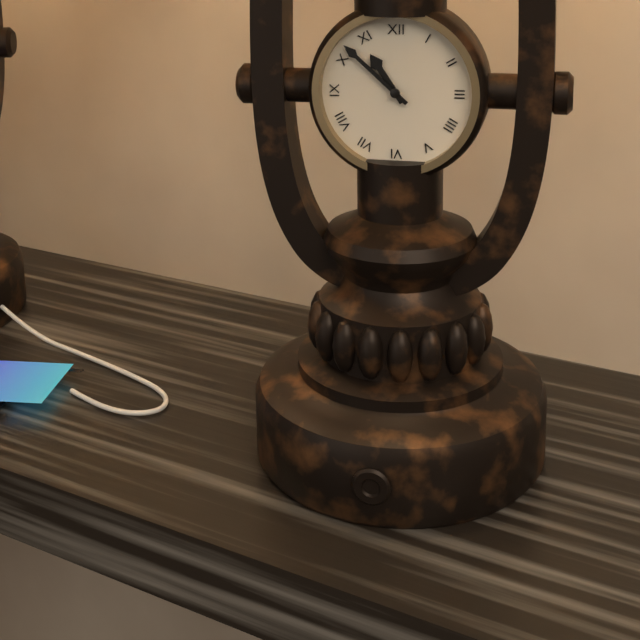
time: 10:52
